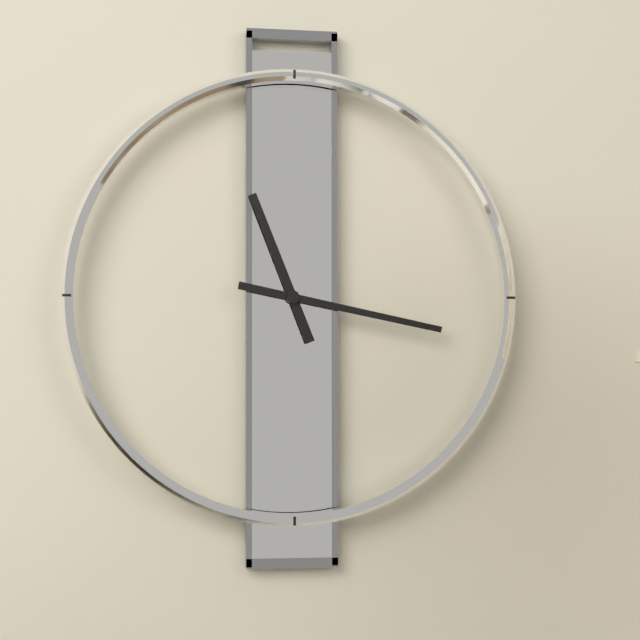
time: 11:17
